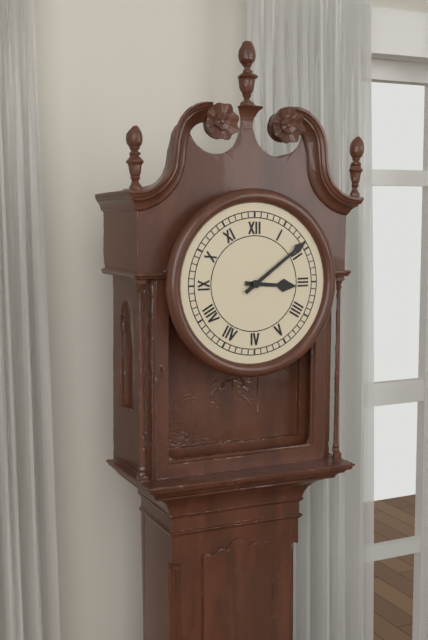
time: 3:09
